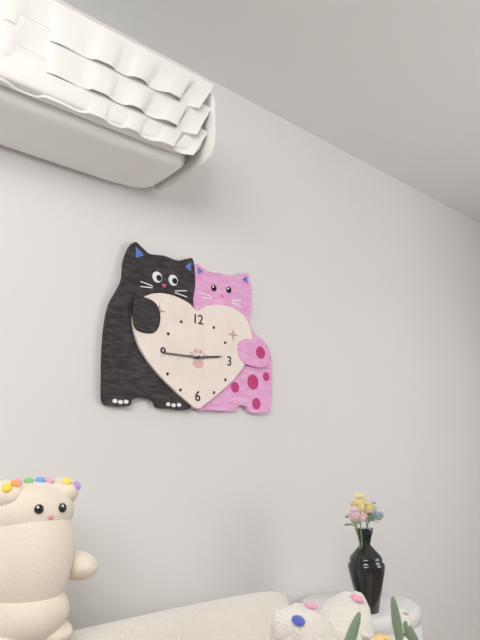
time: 2:45
